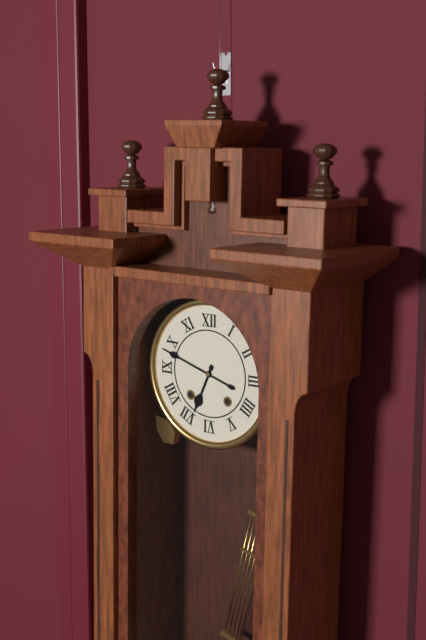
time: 6:48
